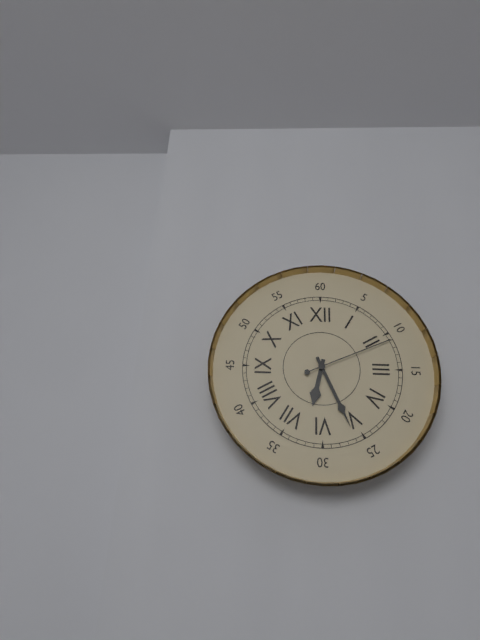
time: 6:26:11
